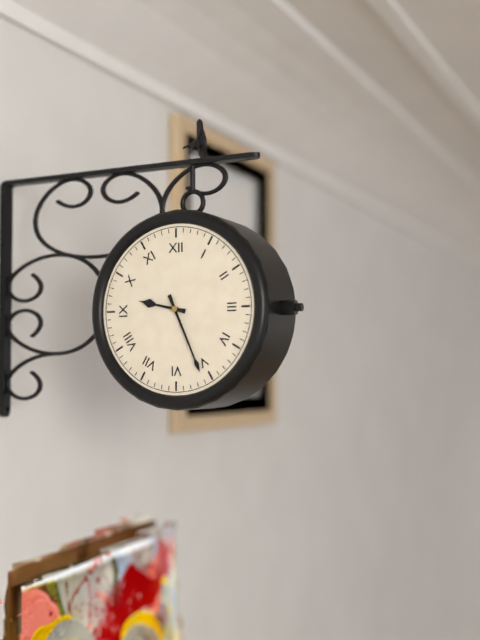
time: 9:26
